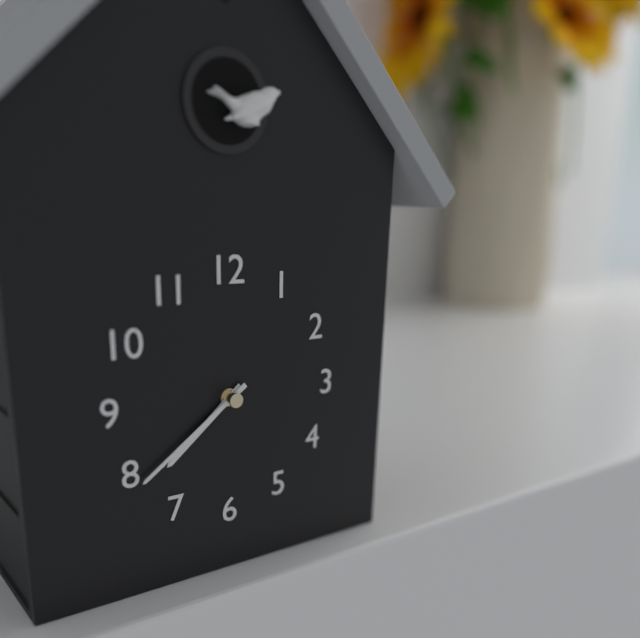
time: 7:39
